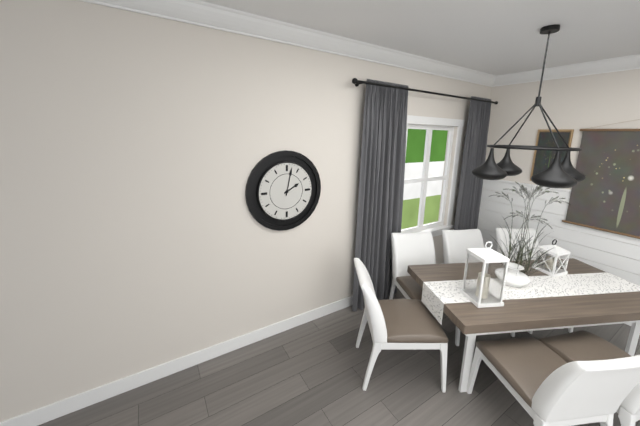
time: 2:02
